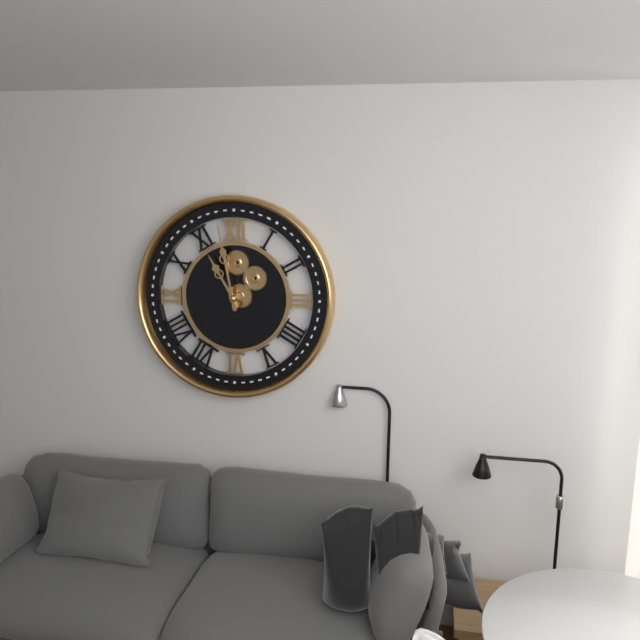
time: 10:58
